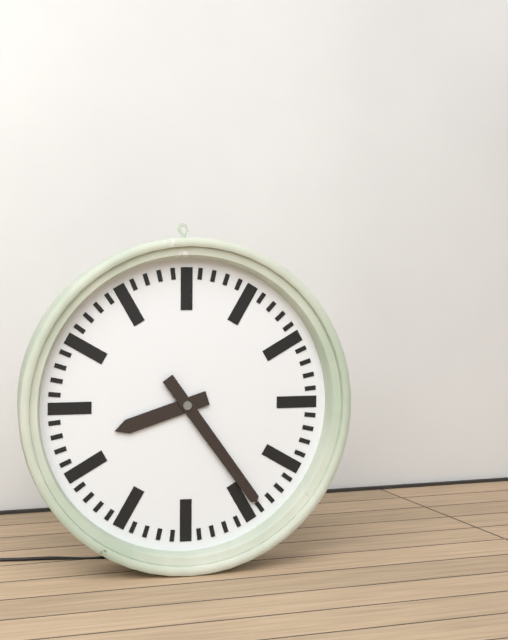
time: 8:24
